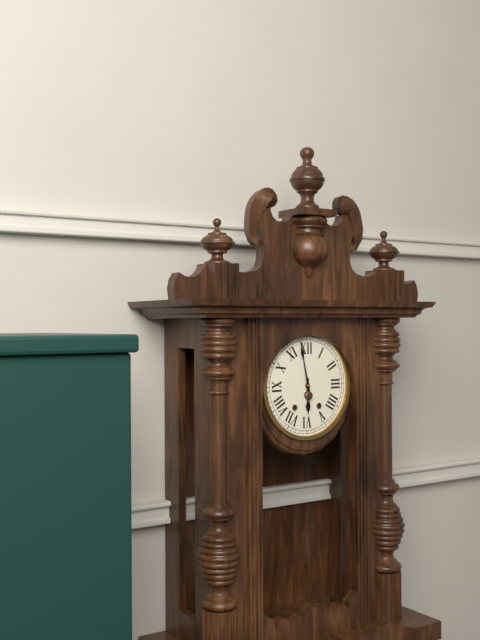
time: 5:58
